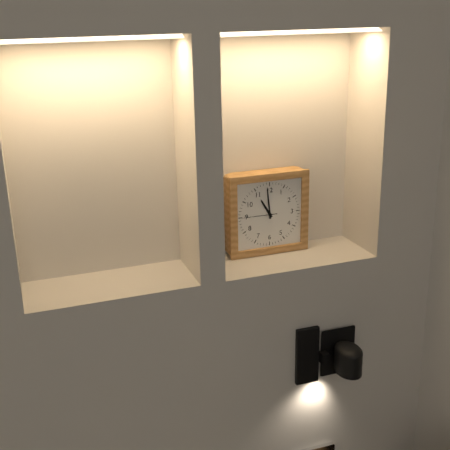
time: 10:59
